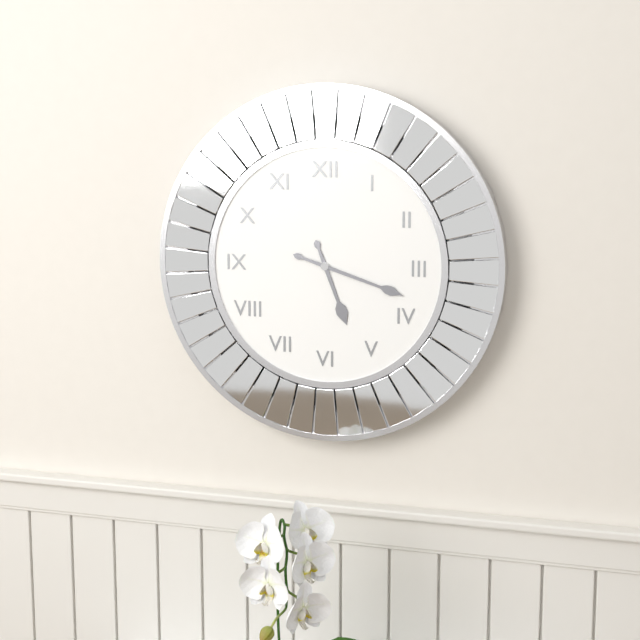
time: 5:18
